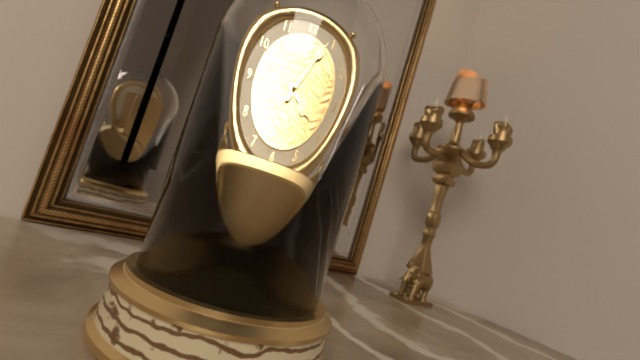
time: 4:04
